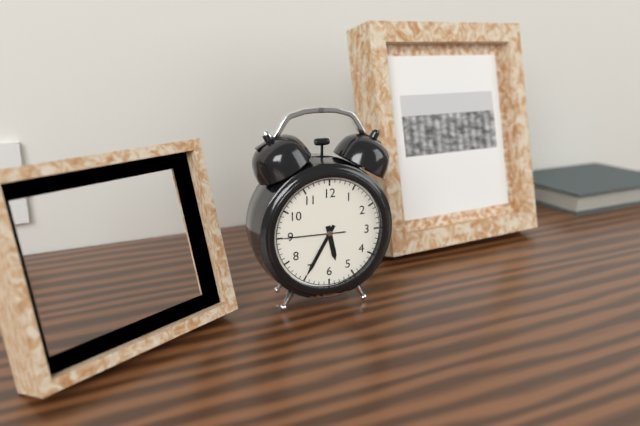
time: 5:35:45
